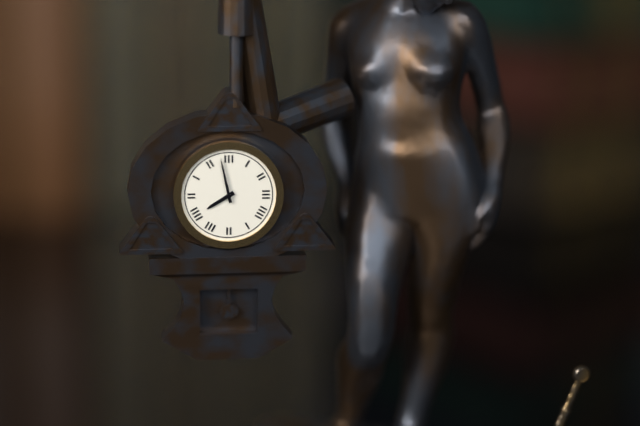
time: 7:58
